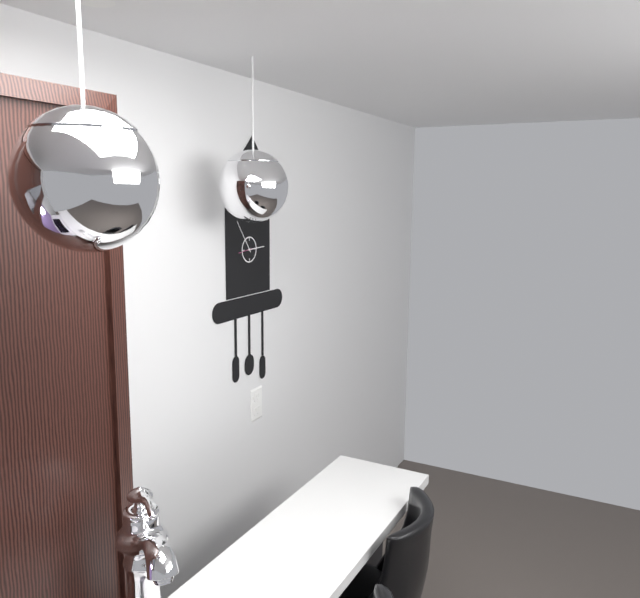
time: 2:54
